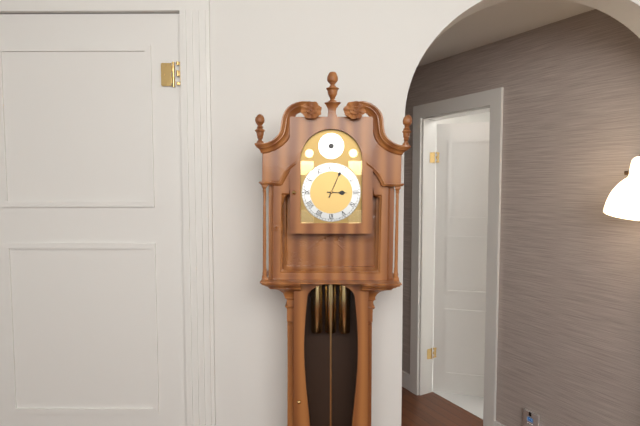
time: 3:04
